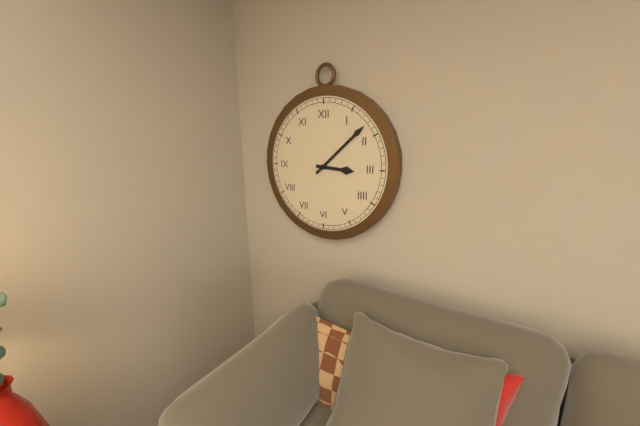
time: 3:08
